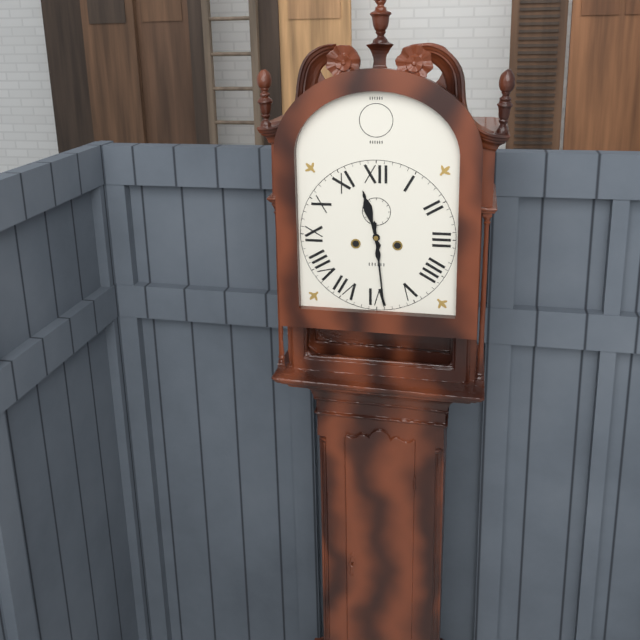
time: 11:29
